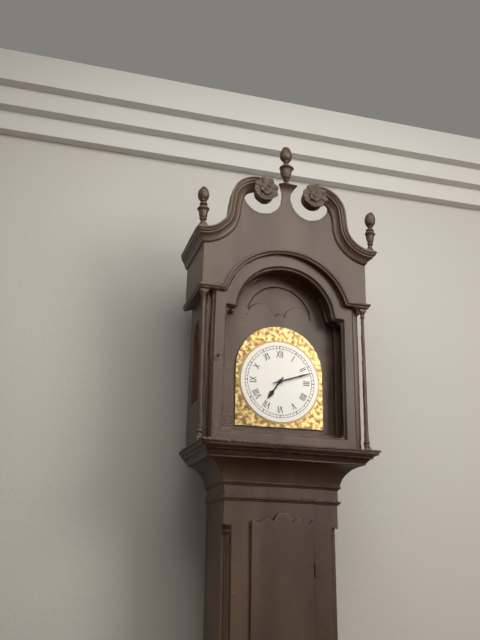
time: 7:12
